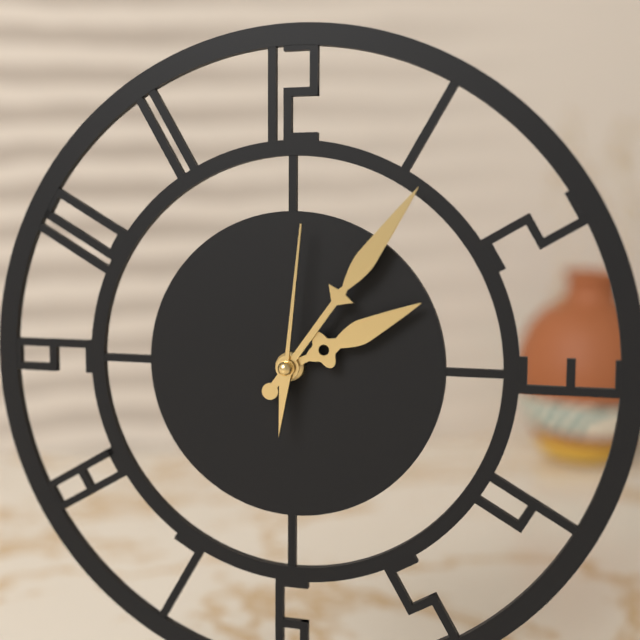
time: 2:06:01
